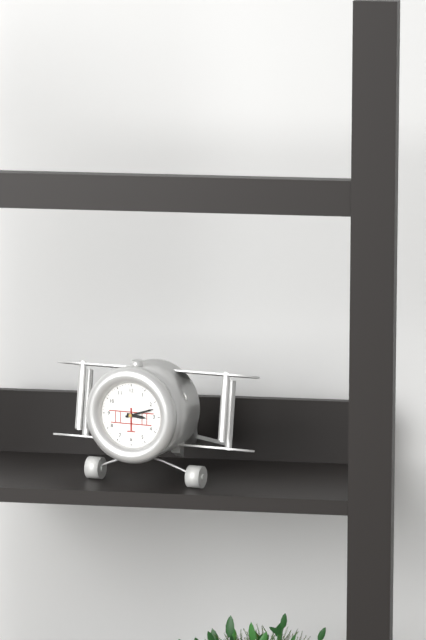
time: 3:12
